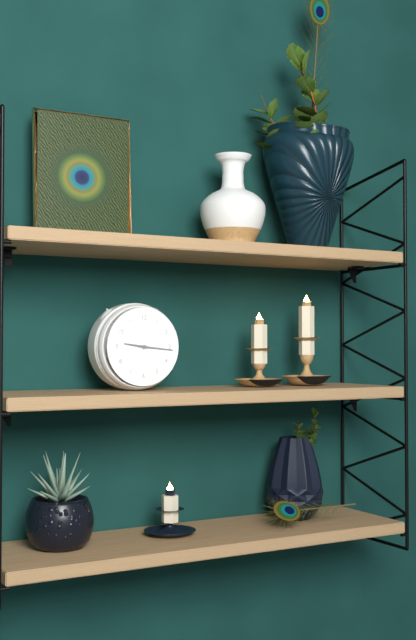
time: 9:16
